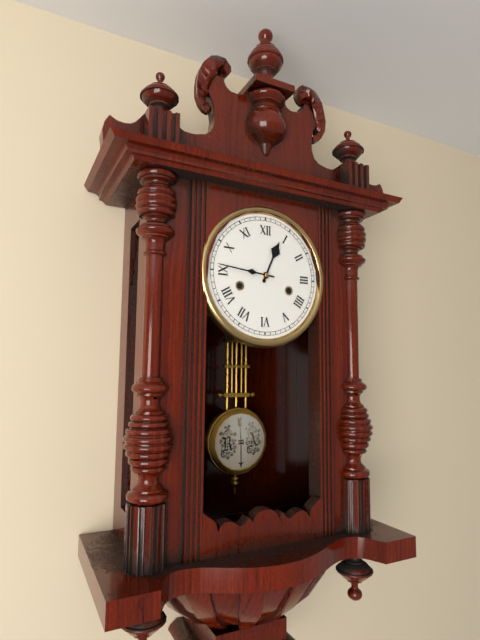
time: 12:46
